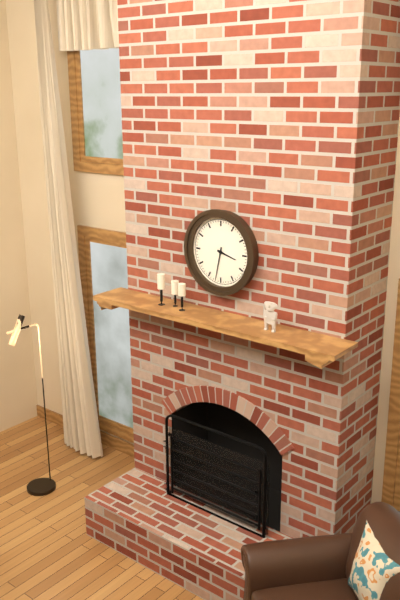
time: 3:32
